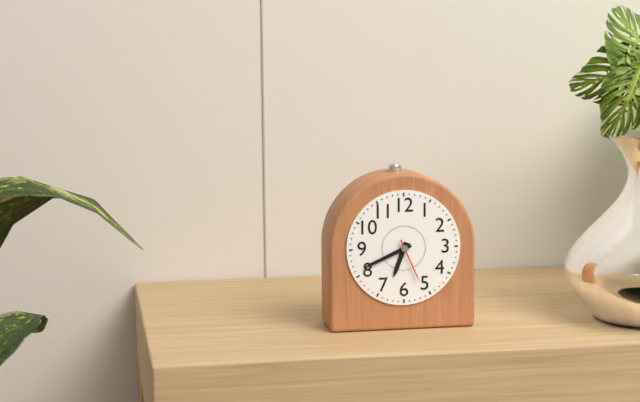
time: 6:41
